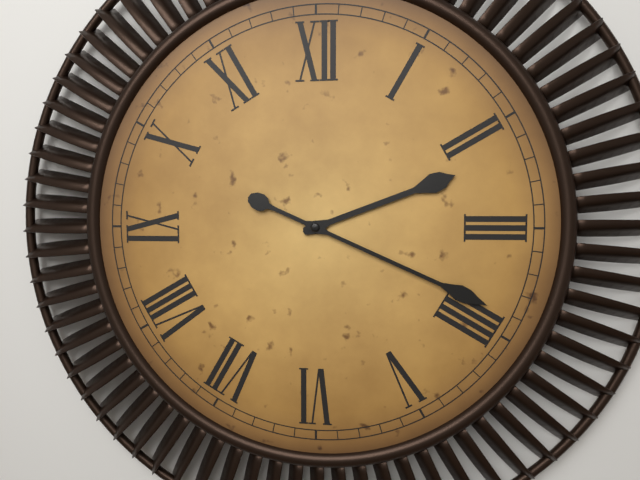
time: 2:19
